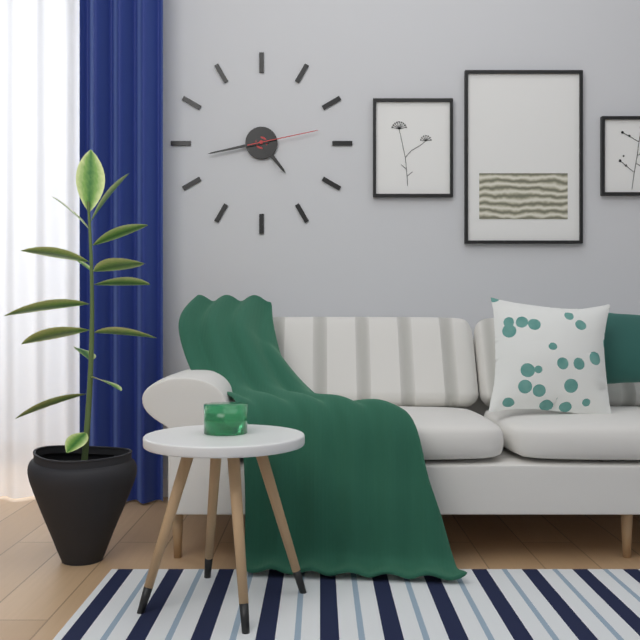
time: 4:43:13
